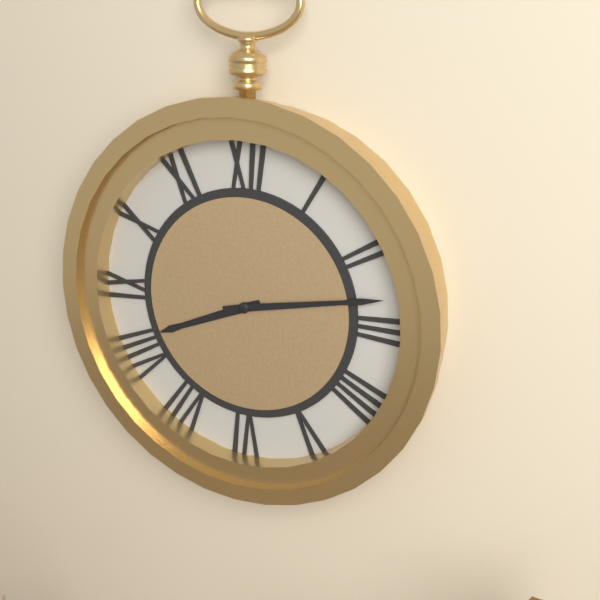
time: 8:13
